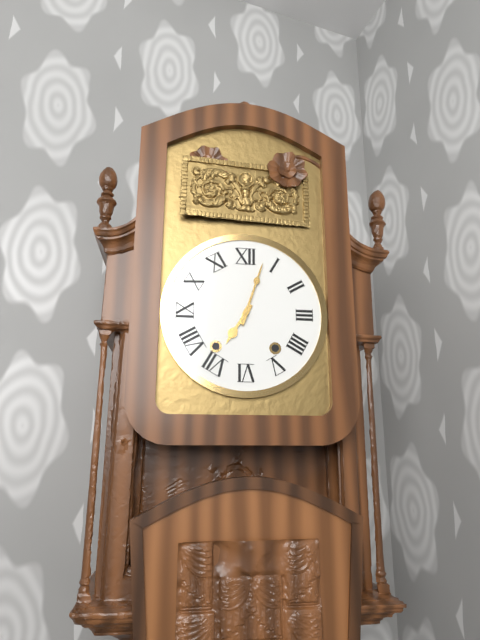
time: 7:03
